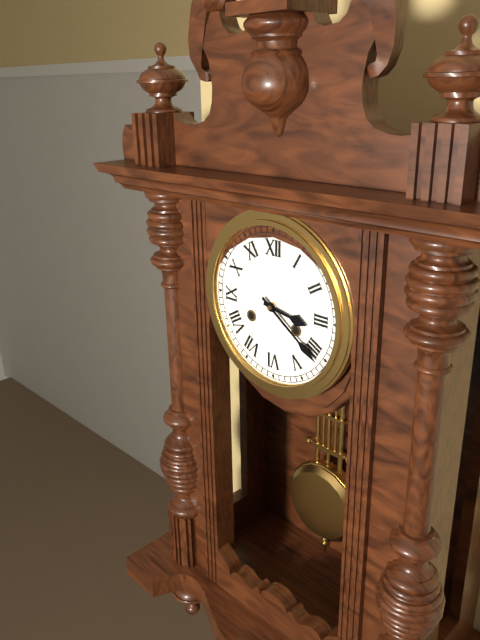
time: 3:21
